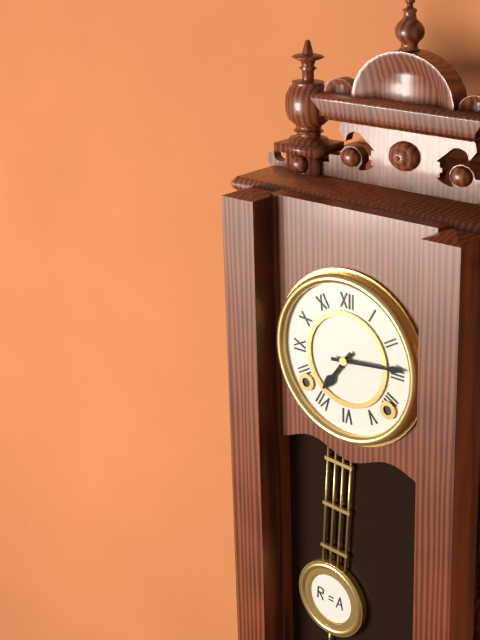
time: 7:14
